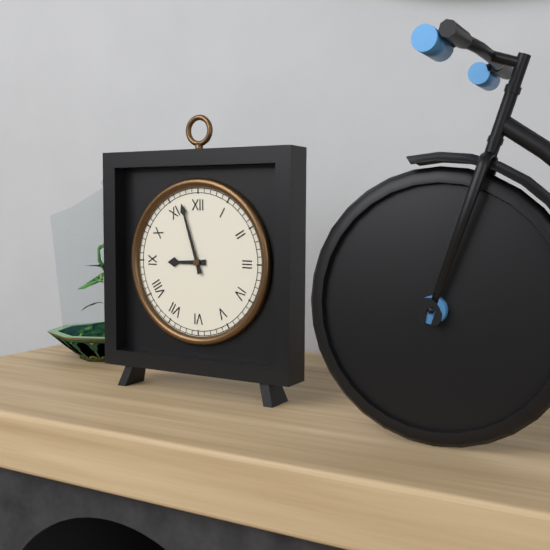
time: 8:57
